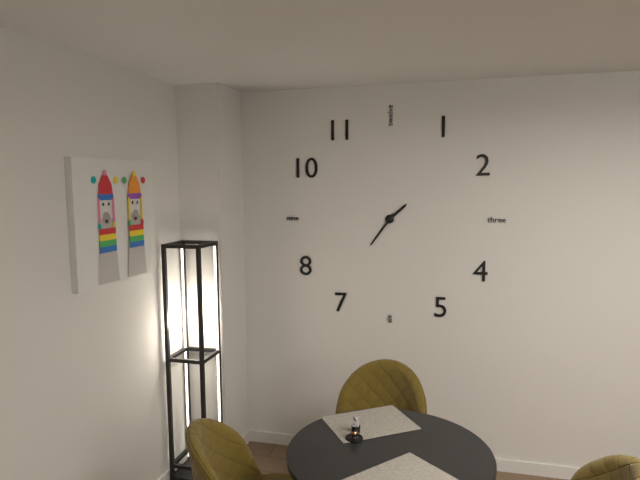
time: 1:36
